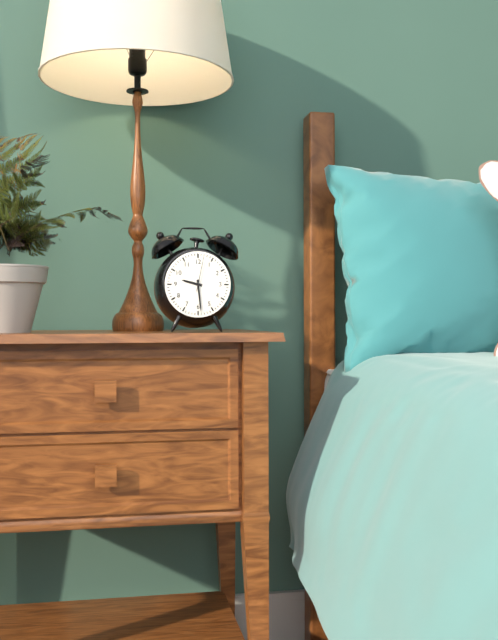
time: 9:29
